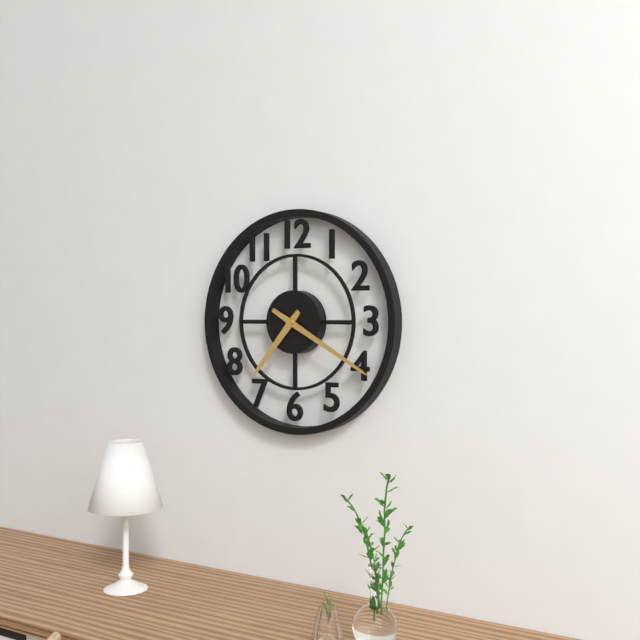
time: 7:20
